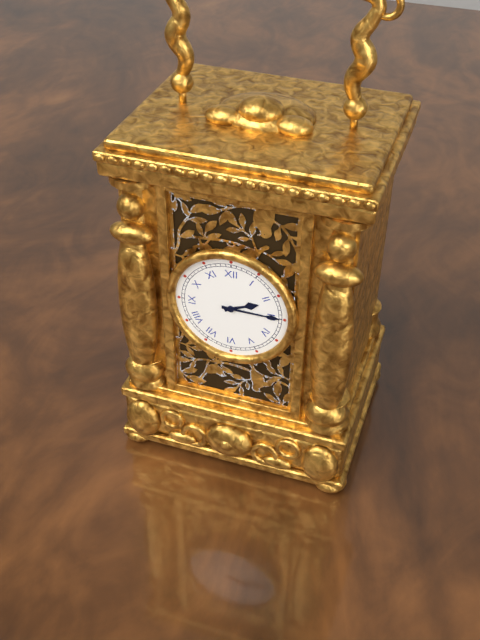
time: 2:15
